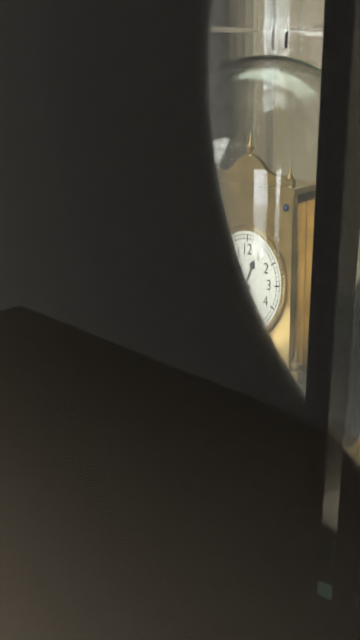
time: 12:51
